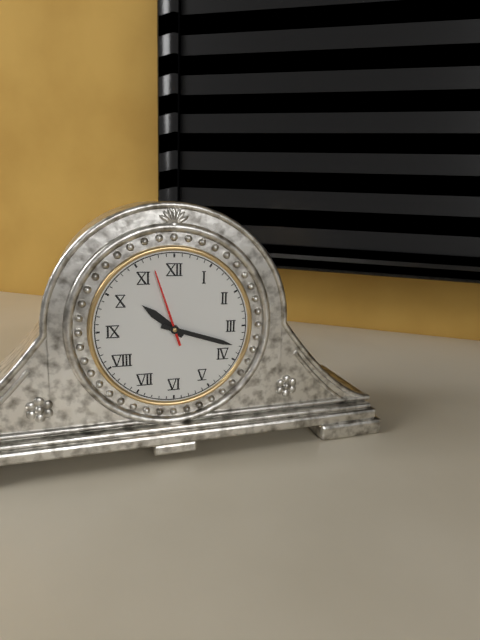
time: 10:18:57
